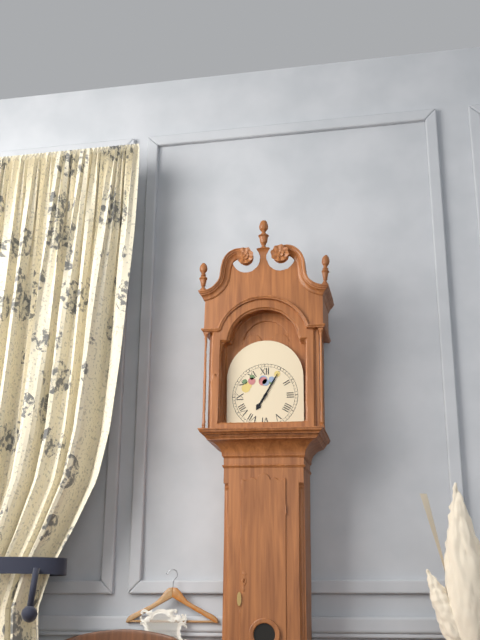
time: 7:05
